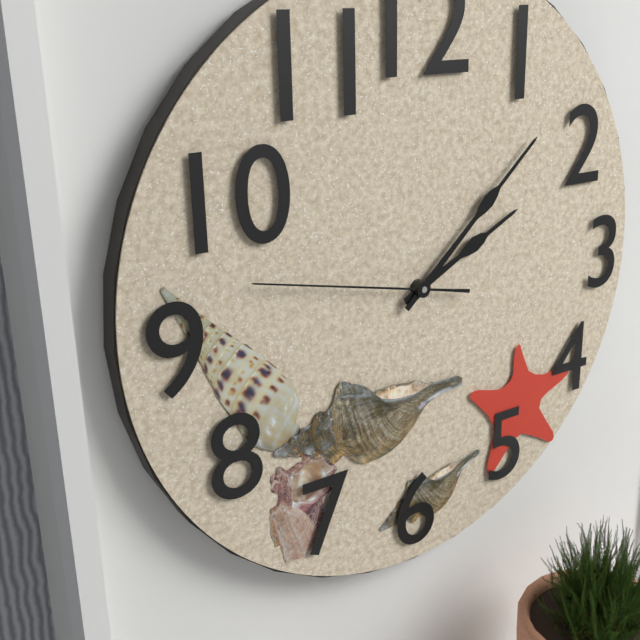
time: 2:08:47
